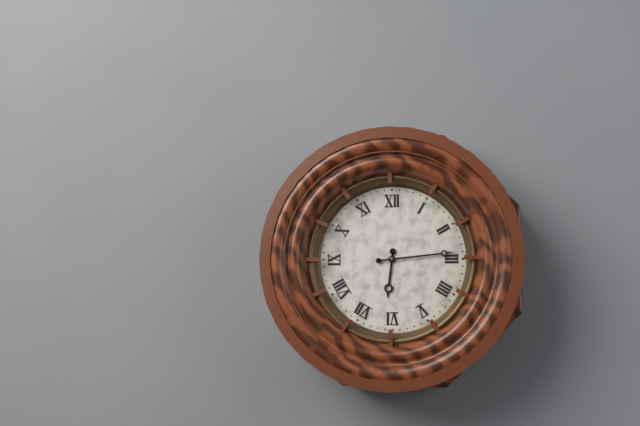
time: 6:14
